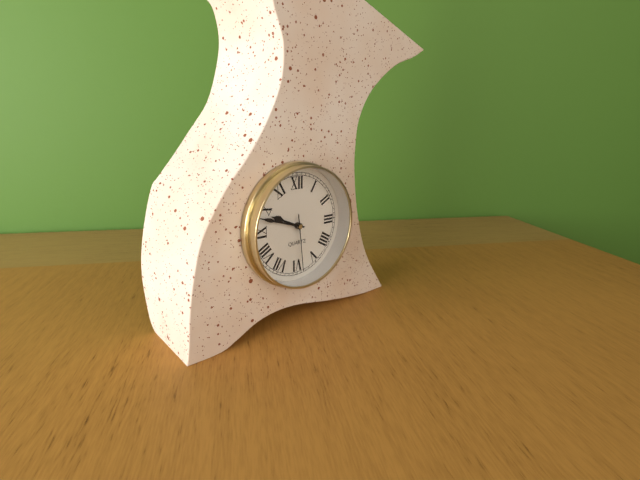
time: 9:48:29
